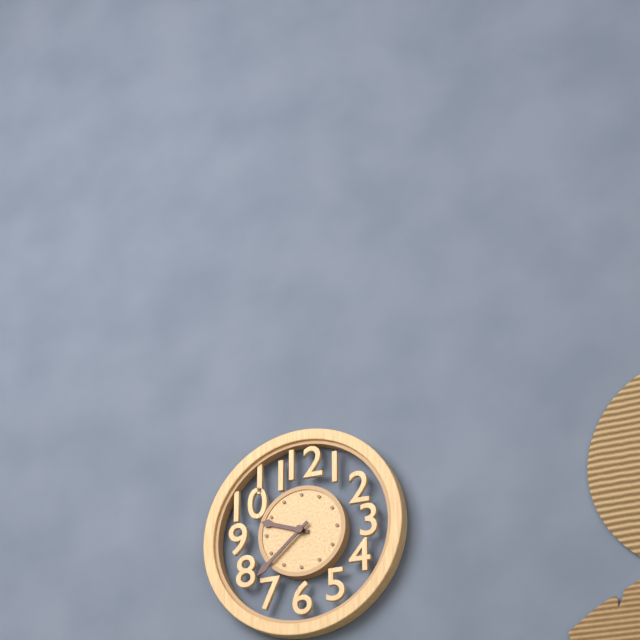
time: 9:38
